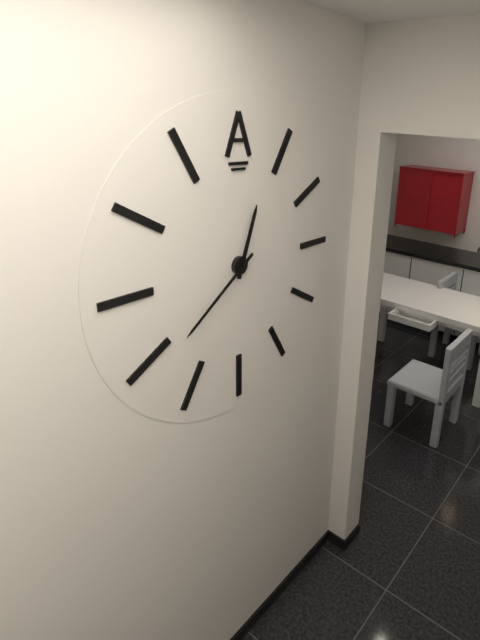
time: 12:39
